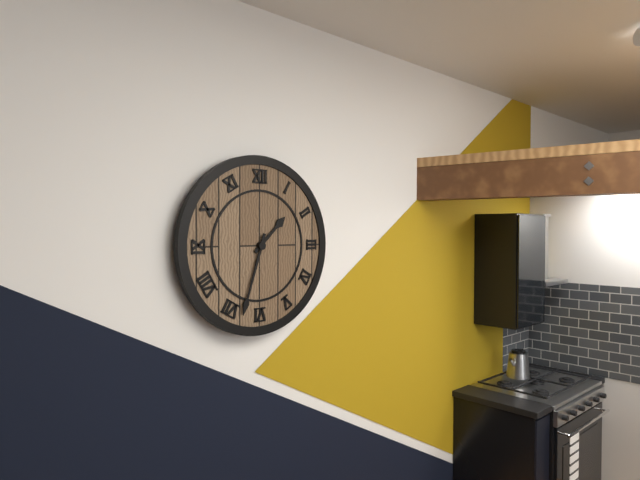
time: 1:33
